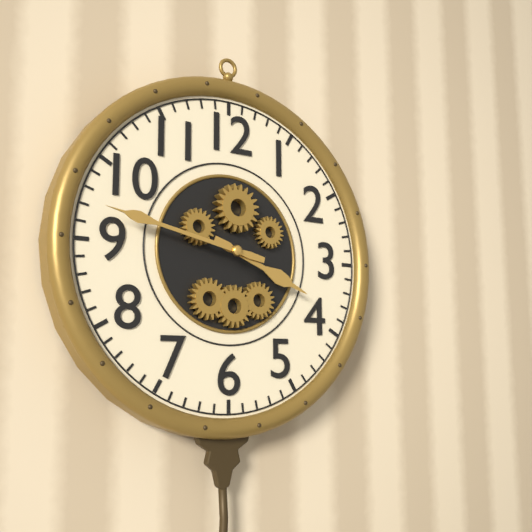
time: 3:47
